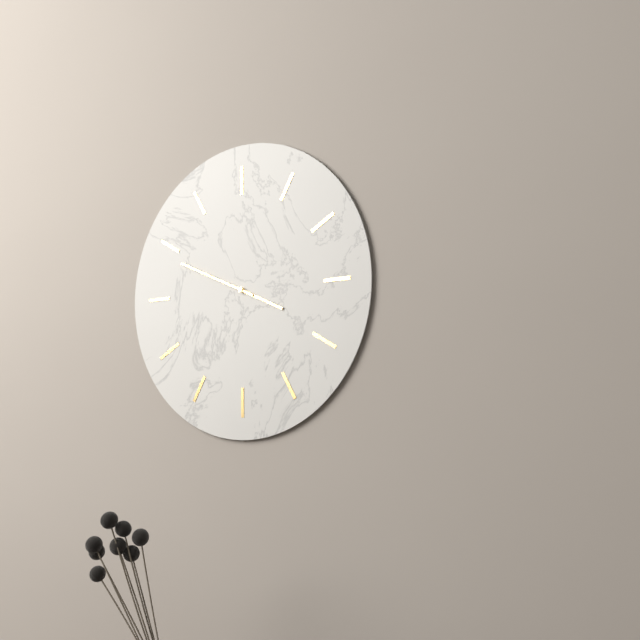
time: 3:49
